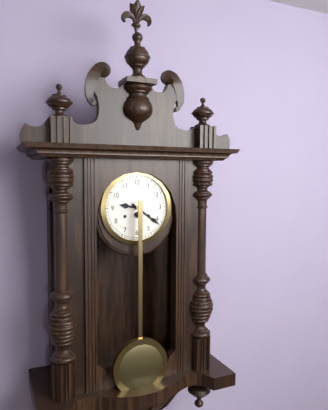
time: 9:21
